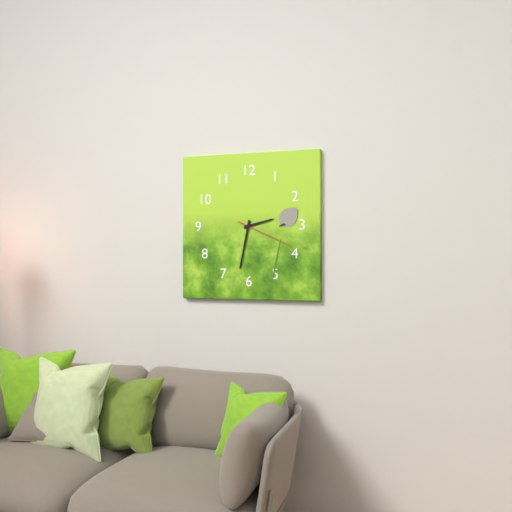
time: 2:32:19
